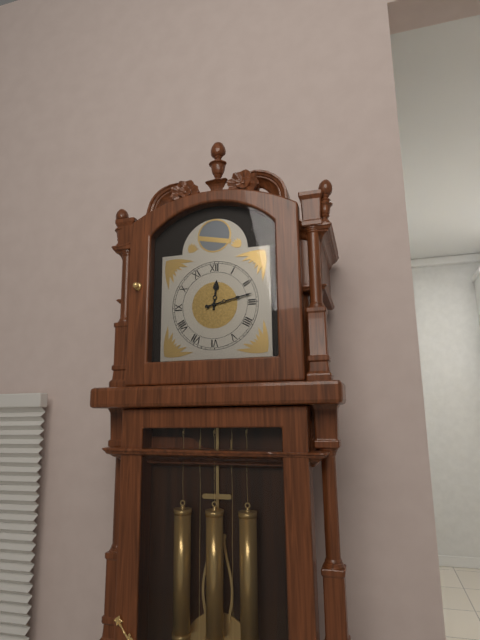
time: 12:13
